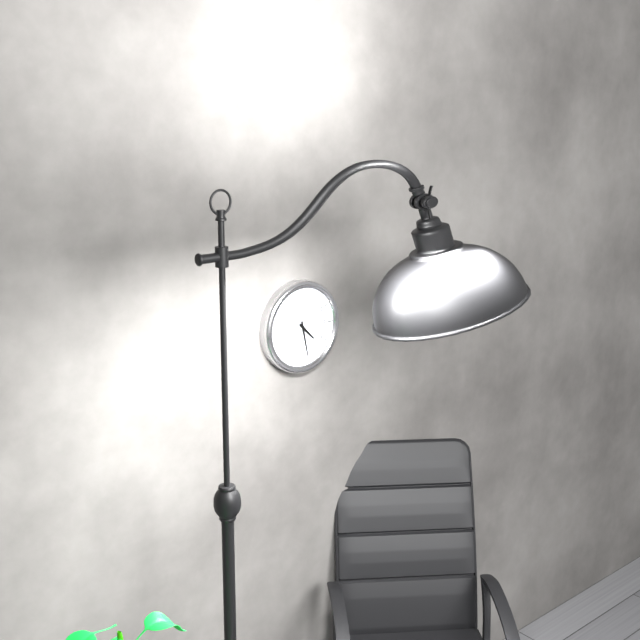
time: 4:28
